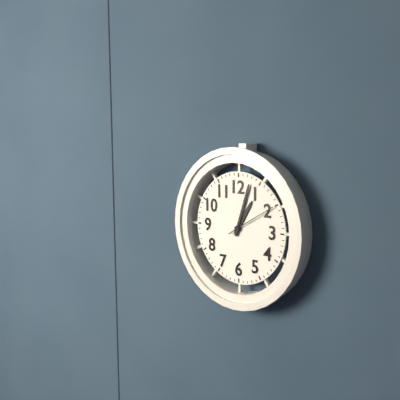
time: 1:03:10
